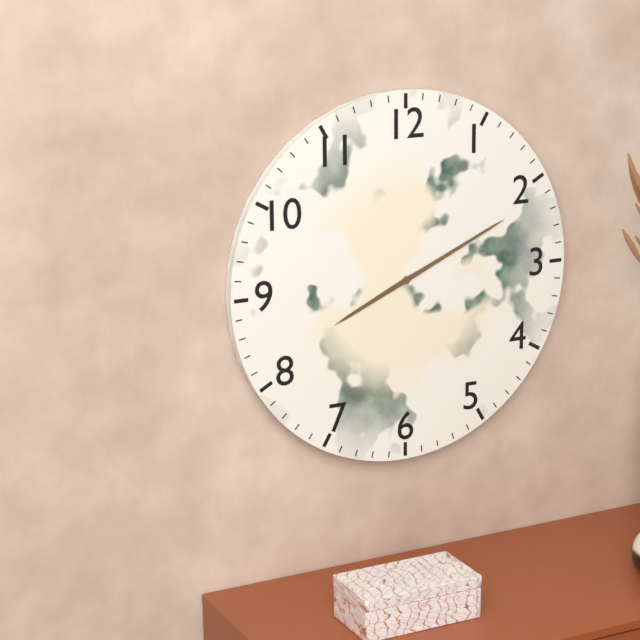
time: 8:11
